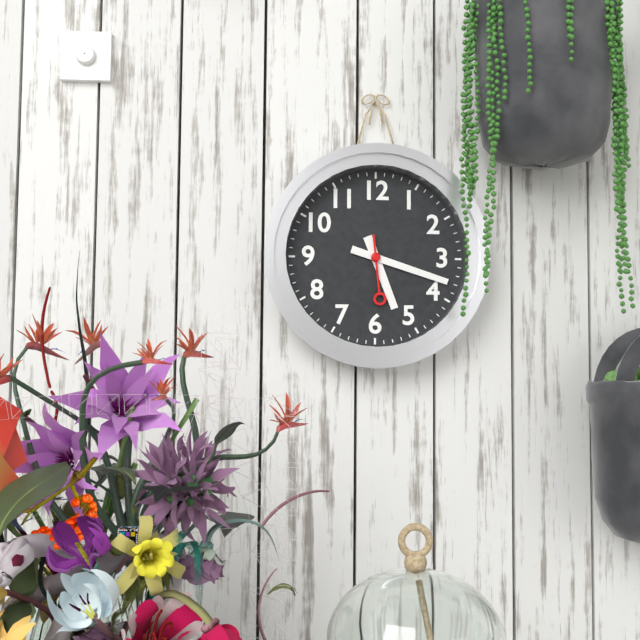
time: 5:18:29
